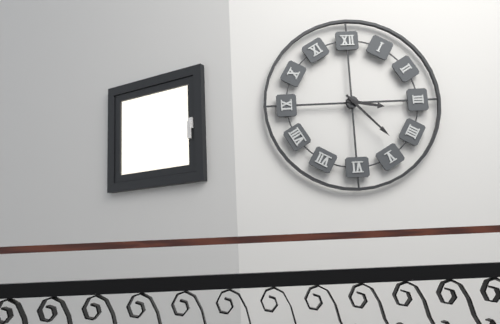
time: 3:23
